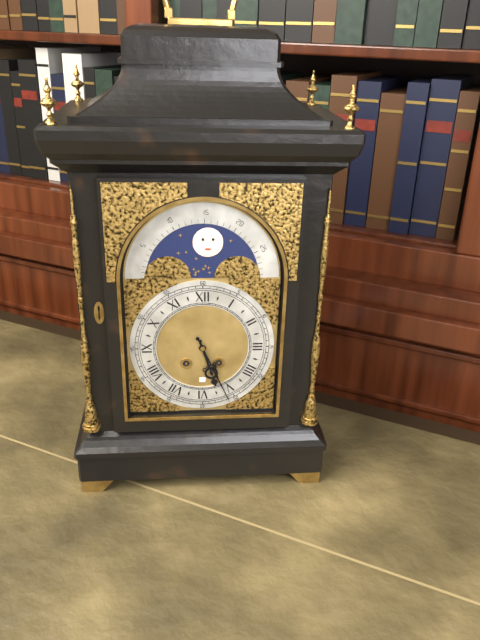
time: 5:26
